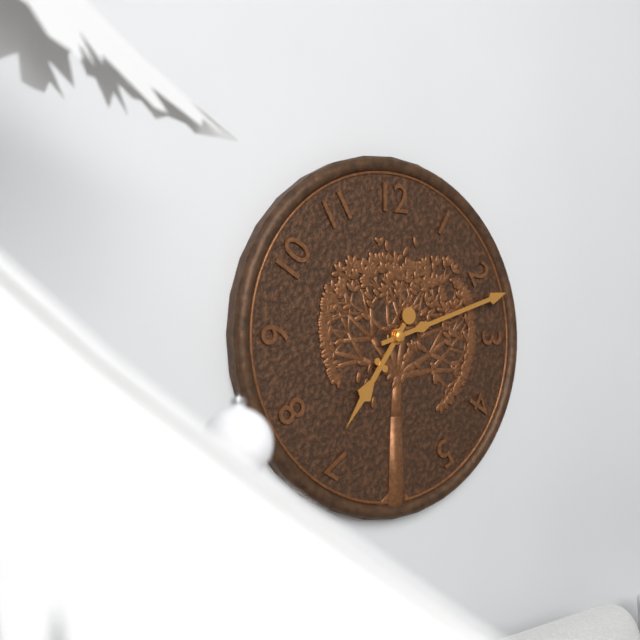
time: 7:12
